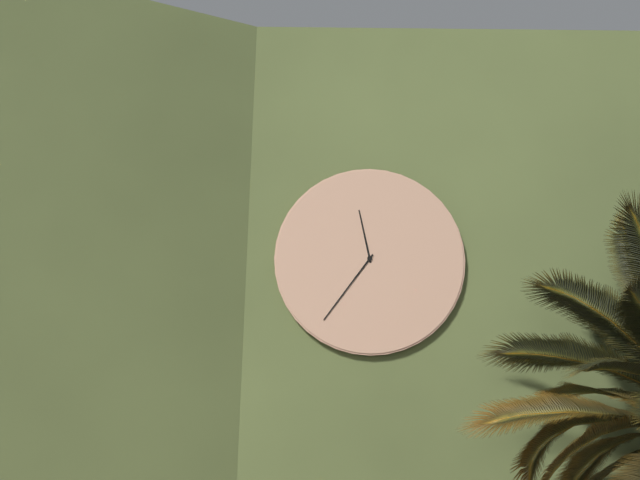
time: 11:36
